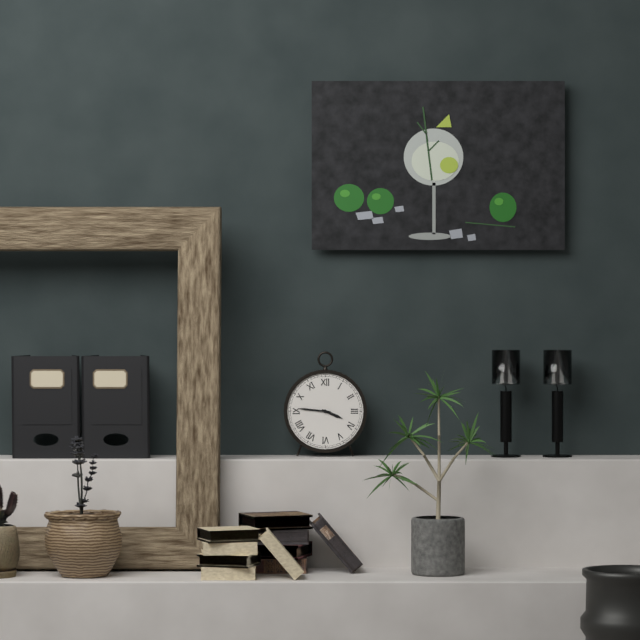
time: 3:46
